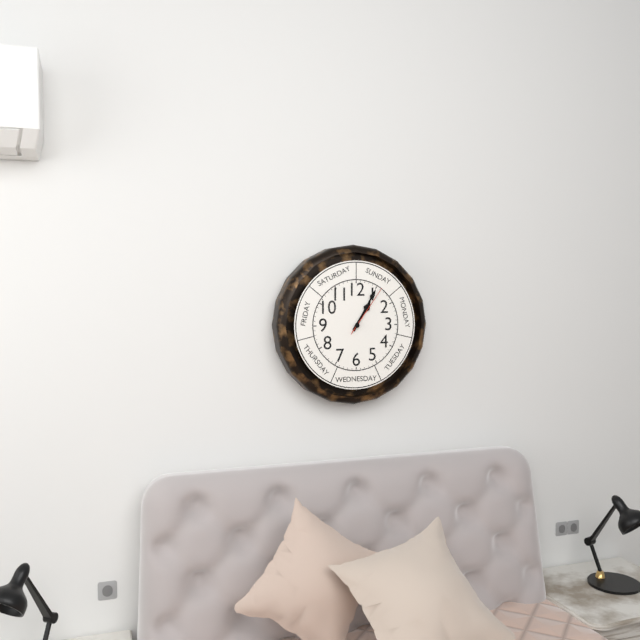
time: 1:05:06
